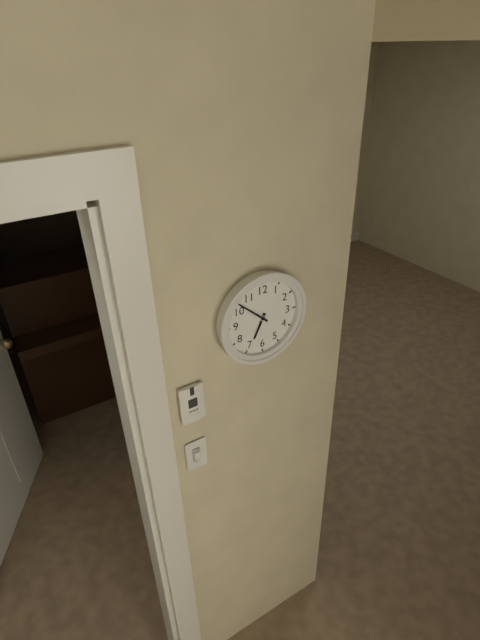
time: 6:52
